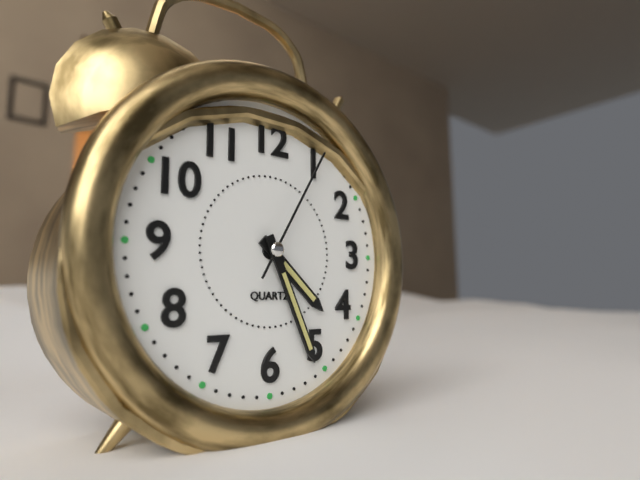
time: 4:26:05
